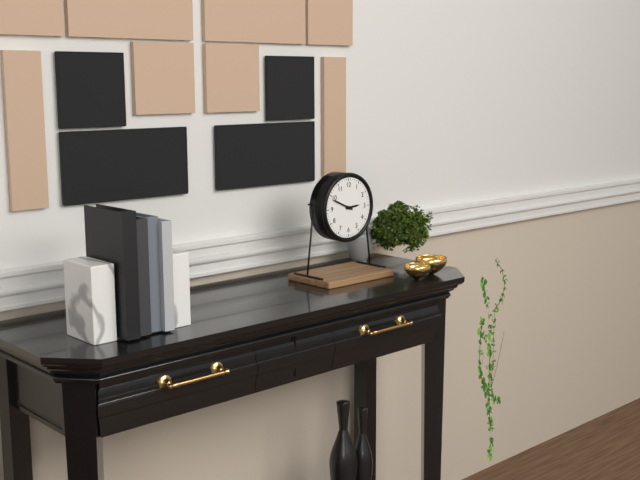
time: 2:49
